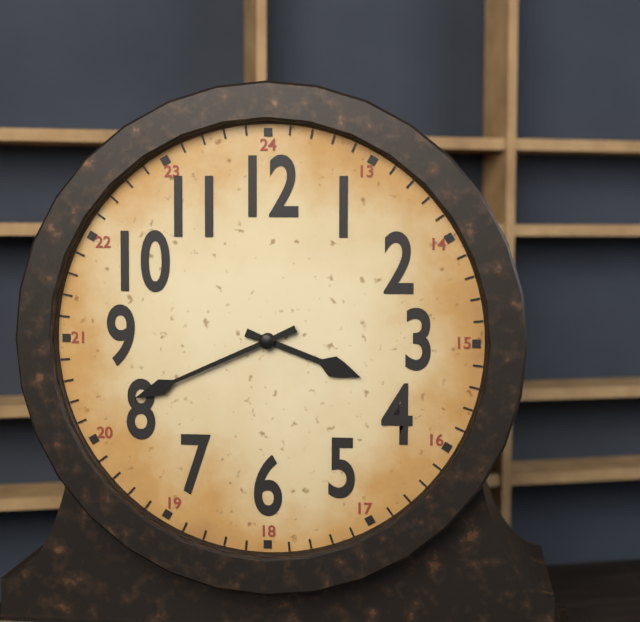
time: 3:41
